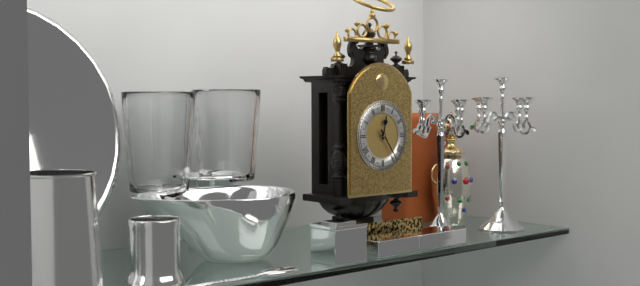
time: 12:24
